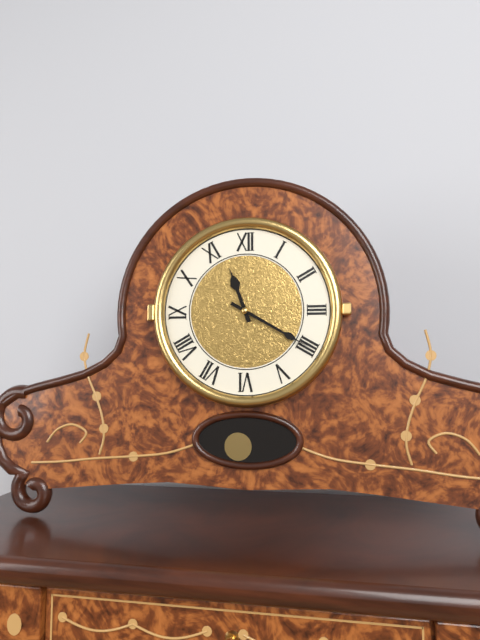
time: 11:20
